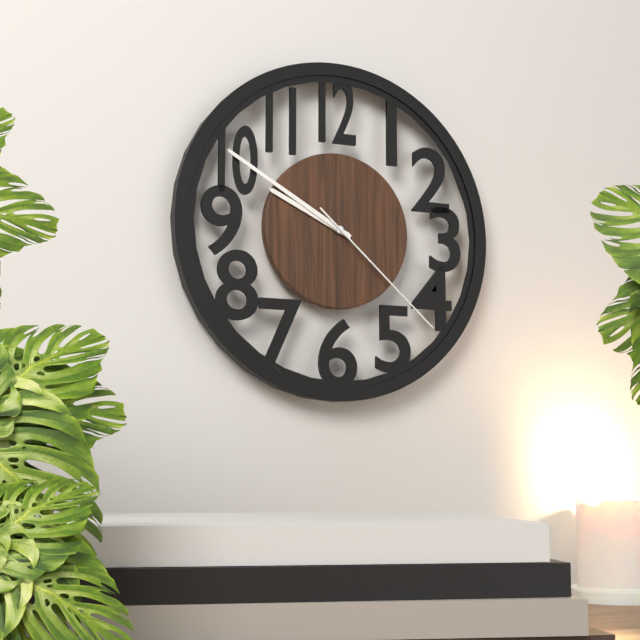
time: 9:50:22
